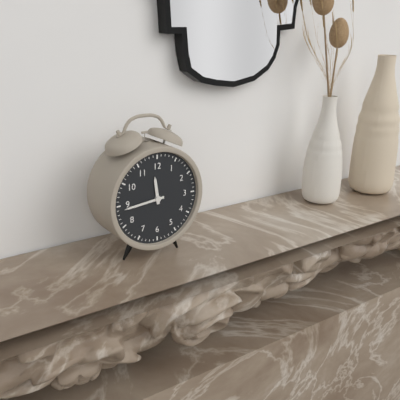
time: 11:44
